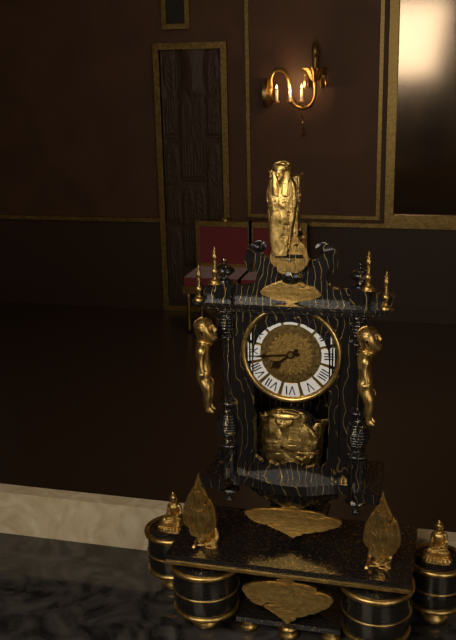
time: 7:44
